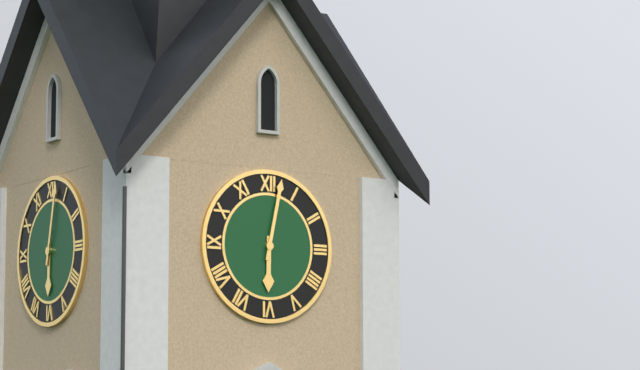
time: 6:02
